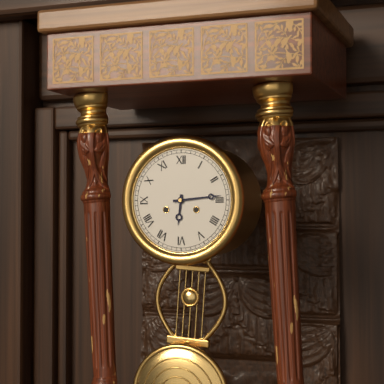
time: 6:14
